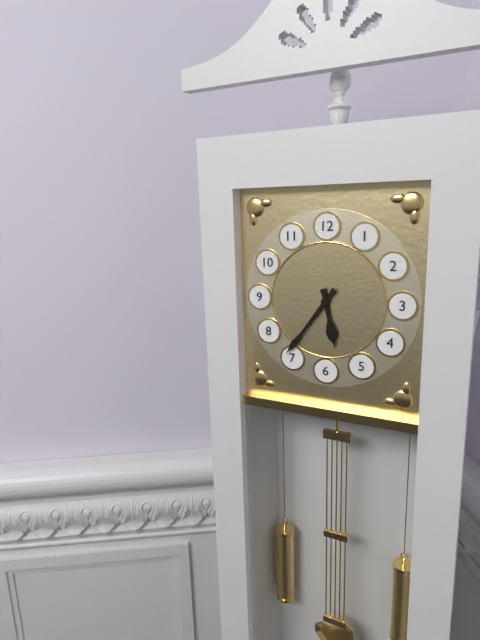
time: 5:36
